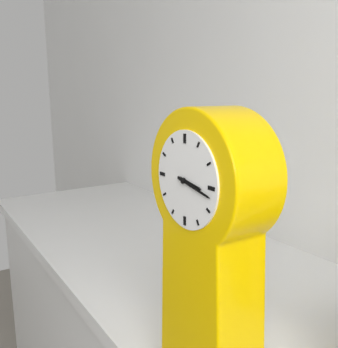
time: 3:17
